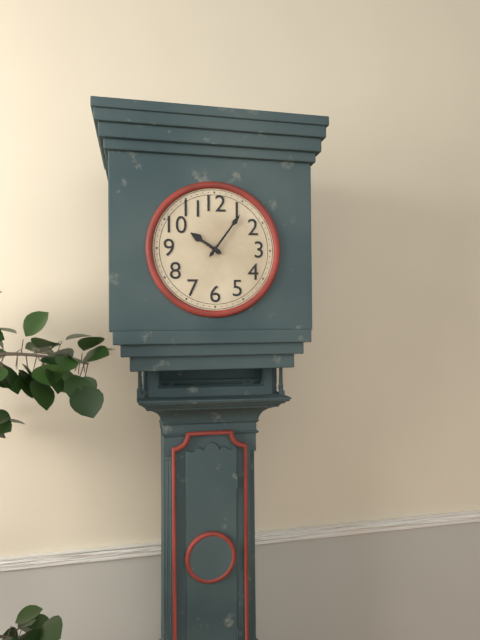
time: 10:06
